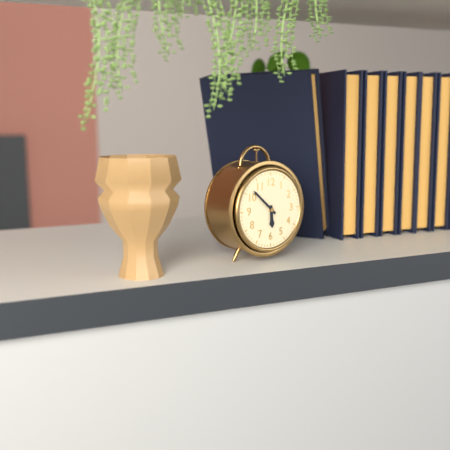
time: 5:52
